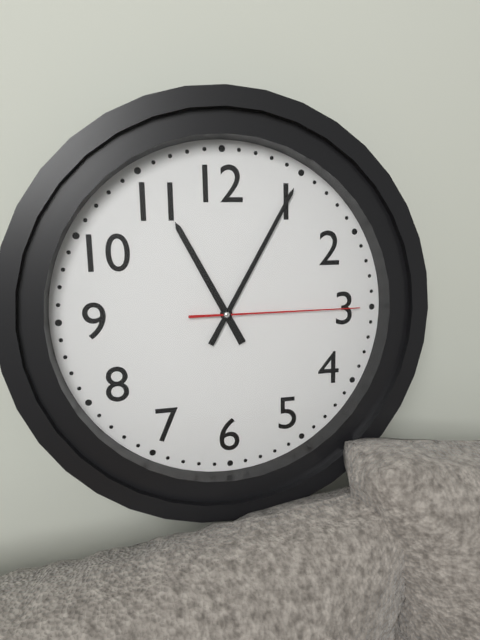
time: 11:05:15
